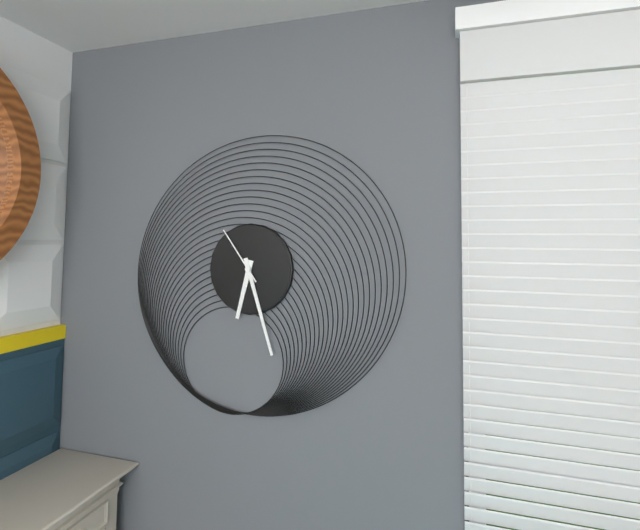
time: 6:27:54
